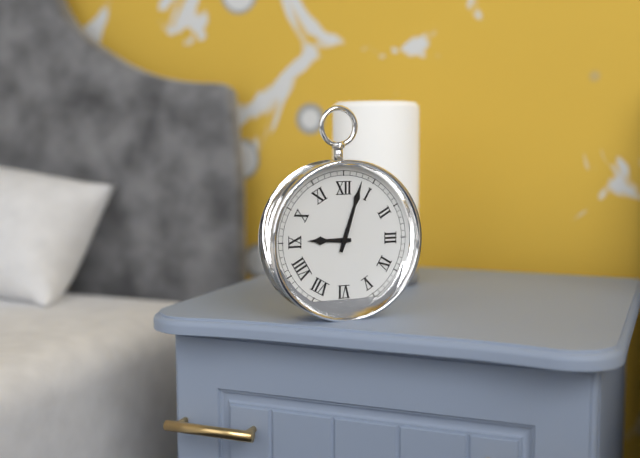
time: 9:03
